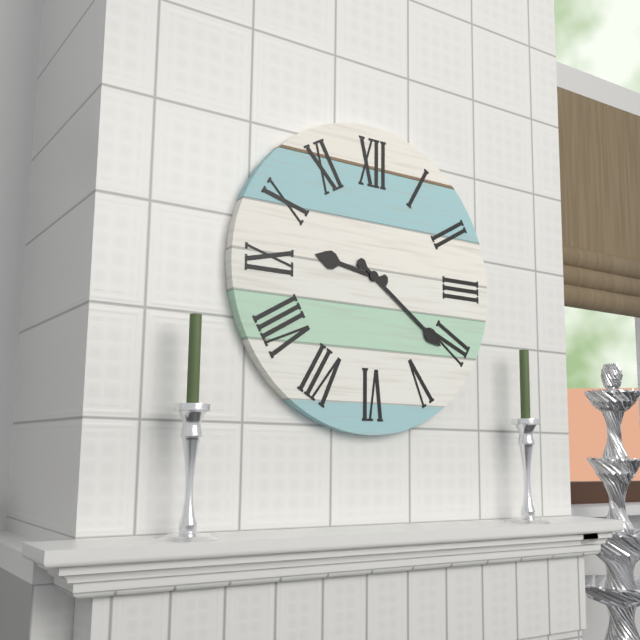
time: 9:21
